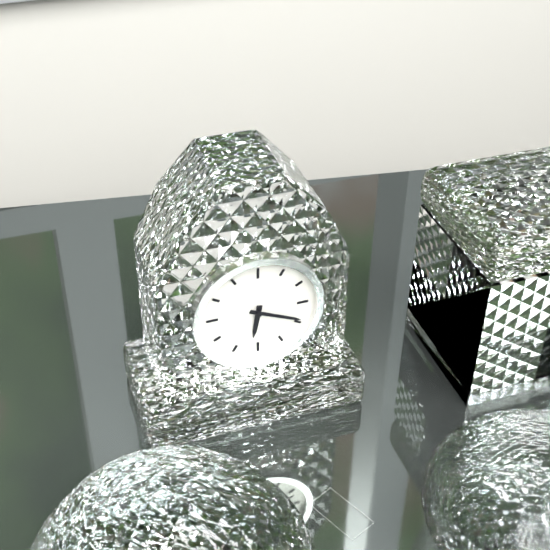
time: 6:19
